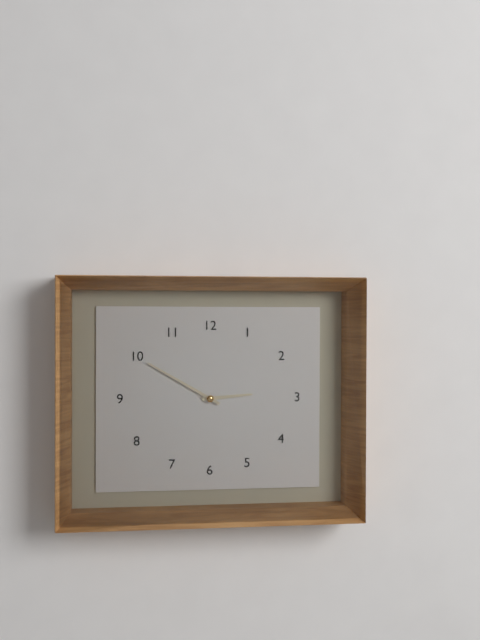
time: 2:50
